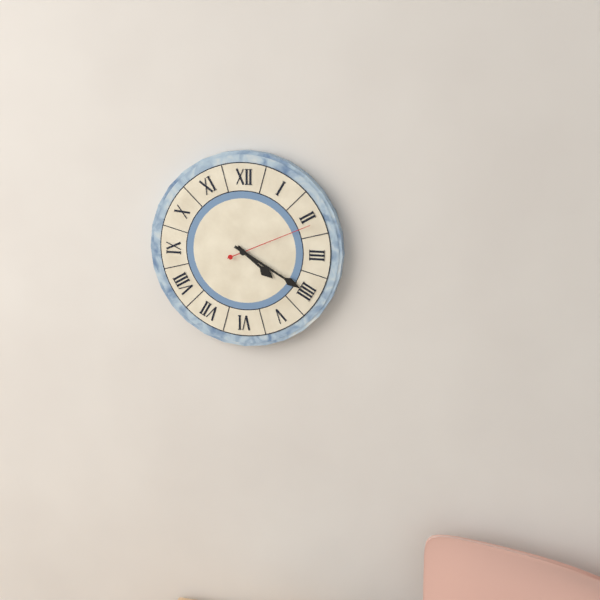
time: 4:20:11
